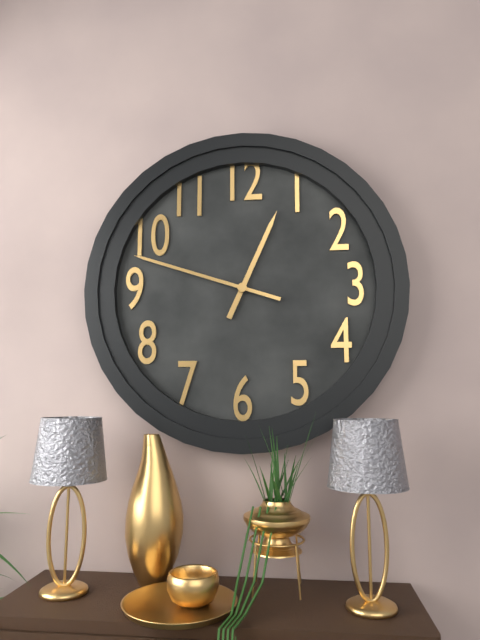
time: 12:48
